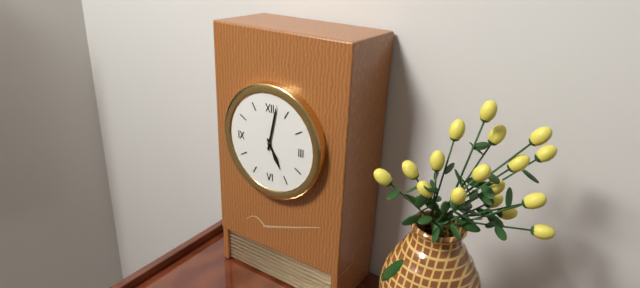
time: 5:02
